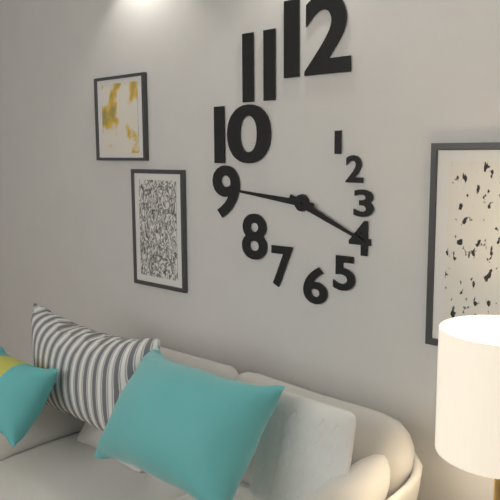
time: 3:46
